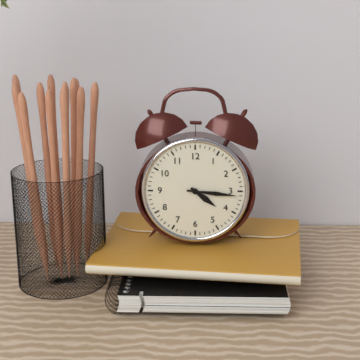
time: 4:16
